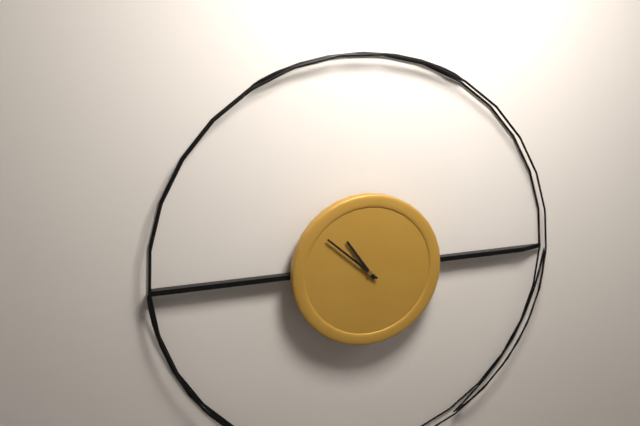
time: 10:52
